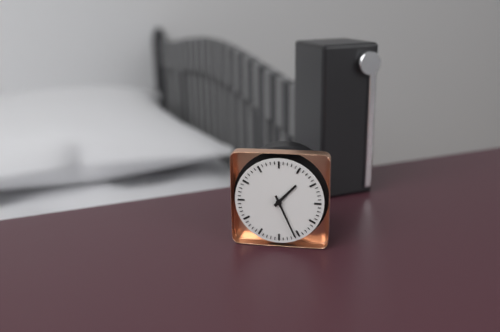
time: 1:26
